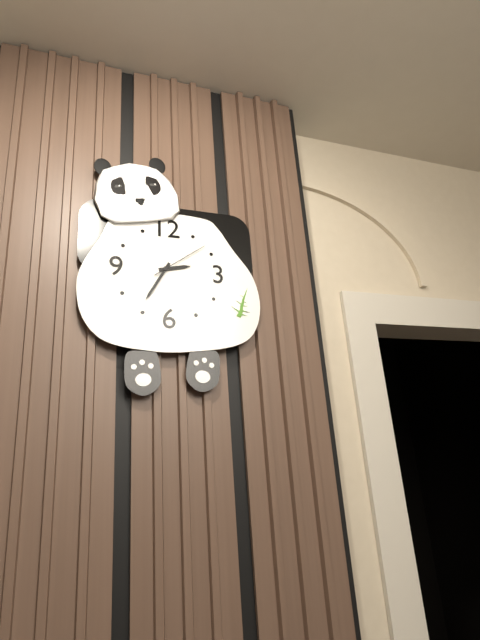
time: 2:35:09
